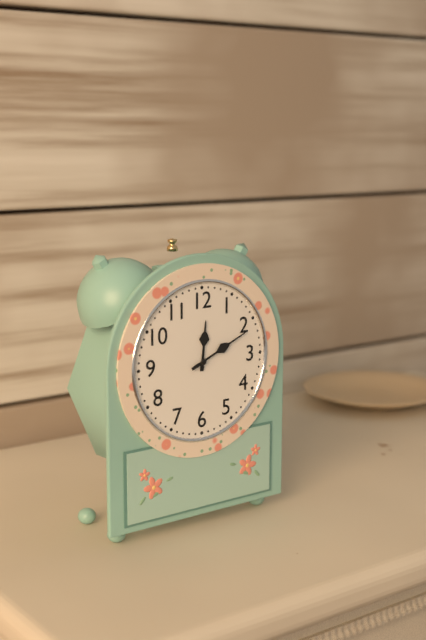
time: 12:11
